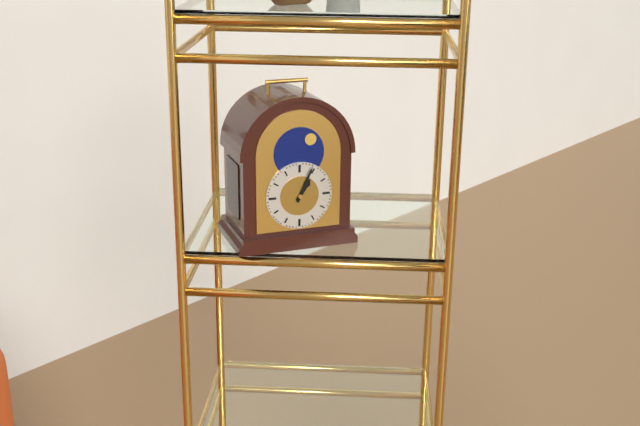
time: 1:04
